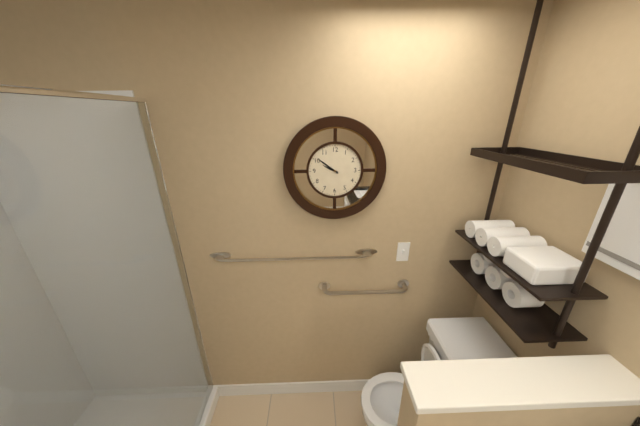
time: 9:51
